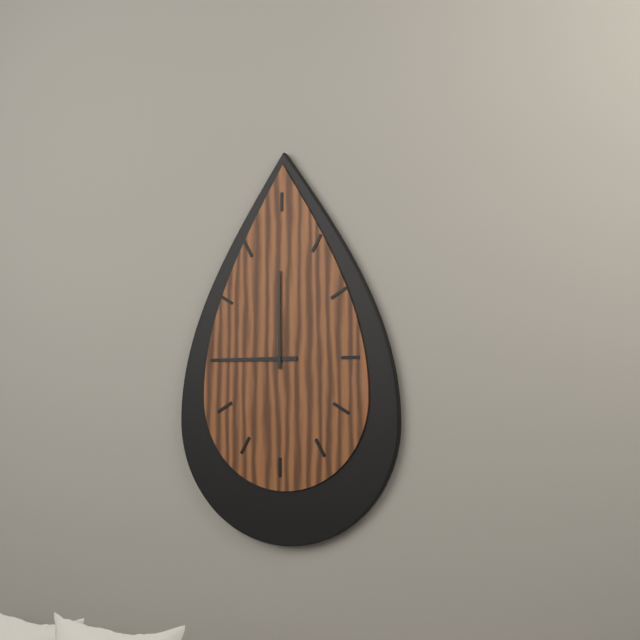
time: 9:00
